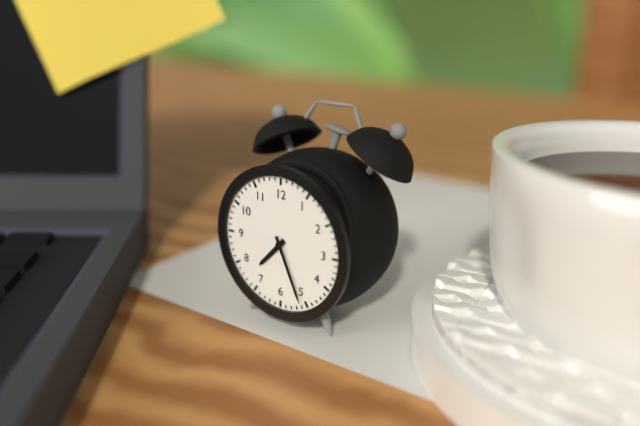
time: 7:26
